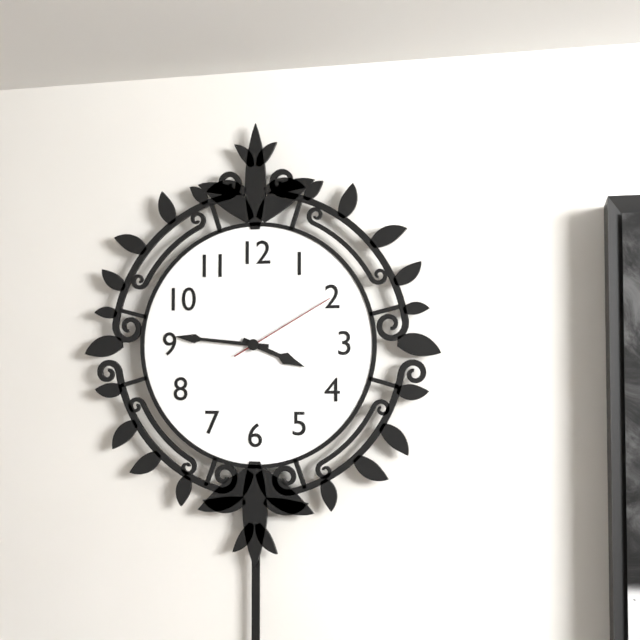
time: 3:46:10
